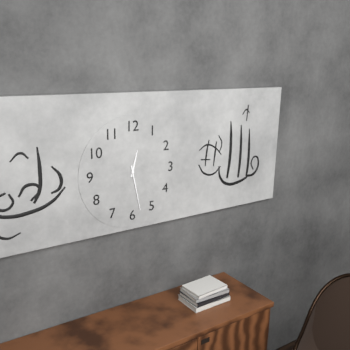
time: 12:28
